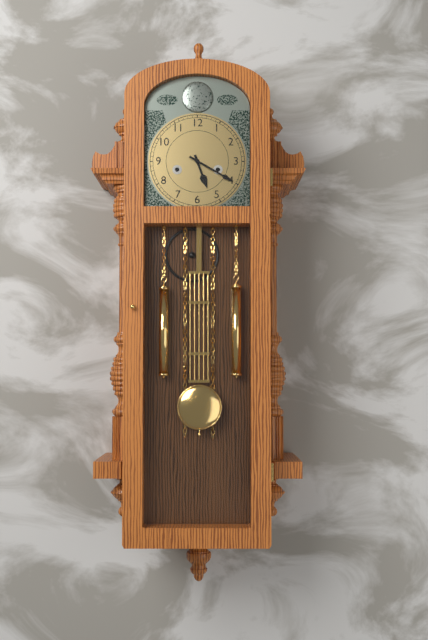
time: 5:20
